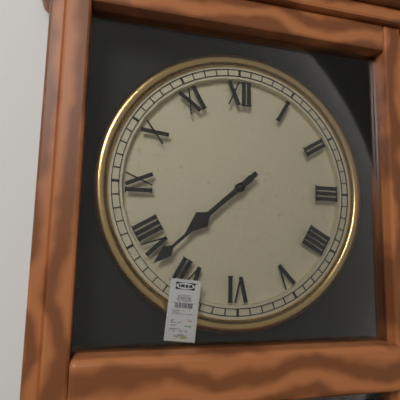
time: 7:38
